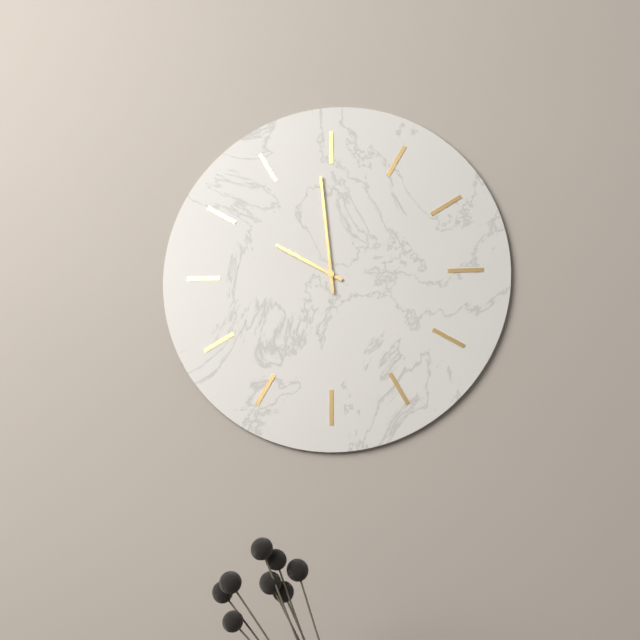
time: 9:59
